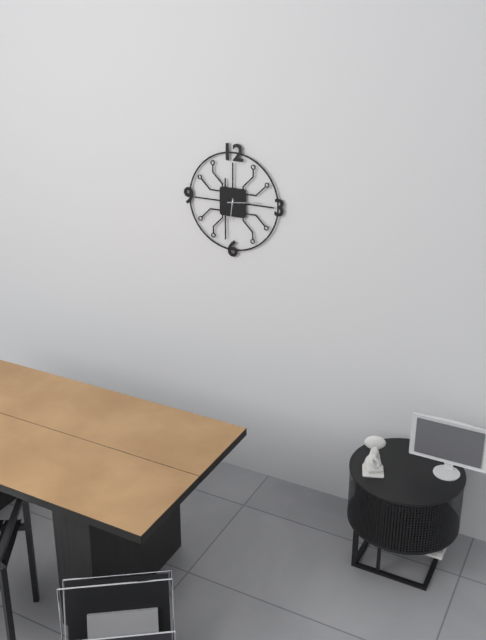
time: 6:14
